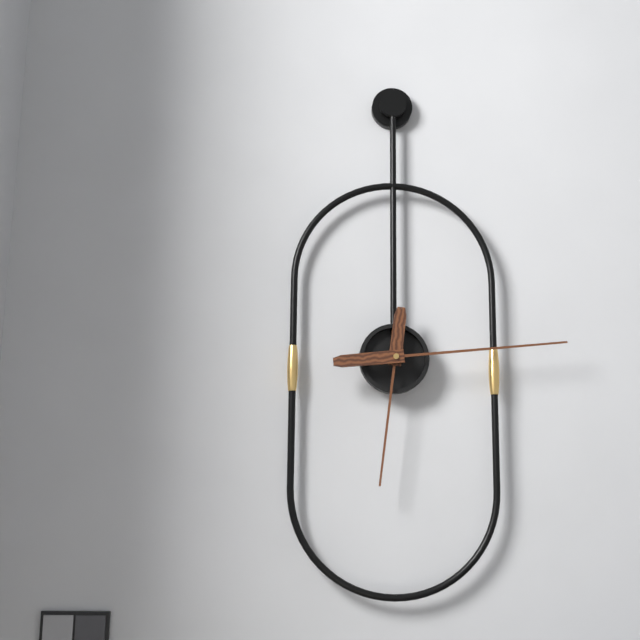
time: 6:14
